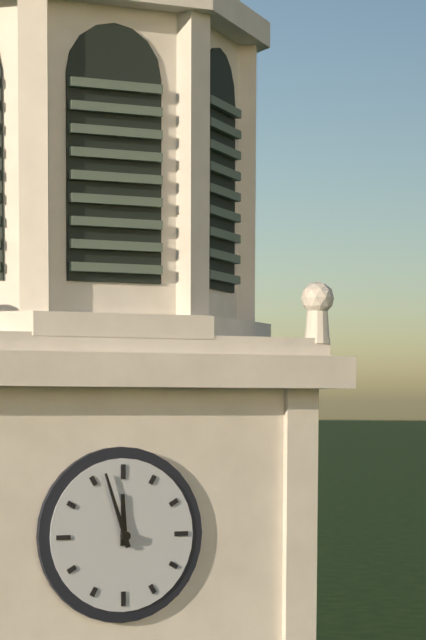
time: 11:57
